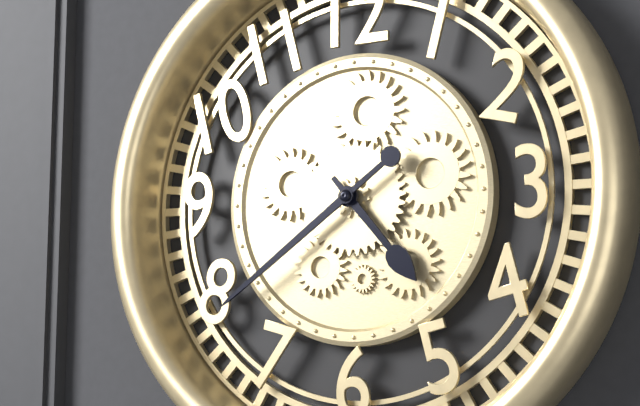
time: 4:39
